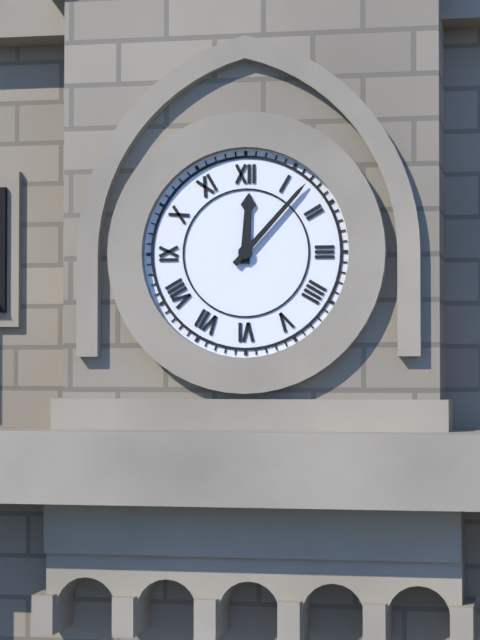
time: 12:07
